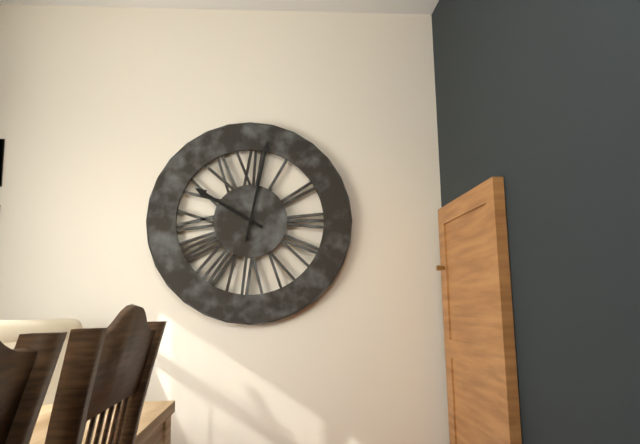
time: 10:02
